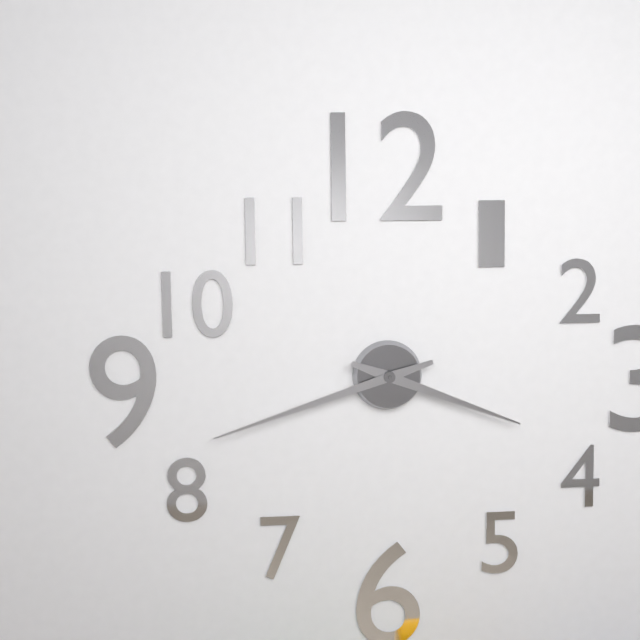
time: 3:42
